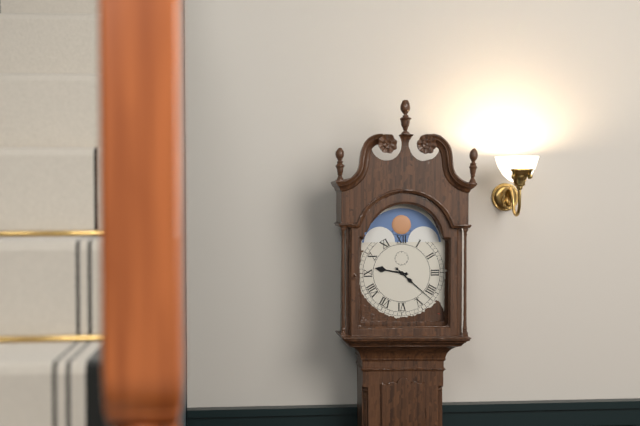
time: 9:22
